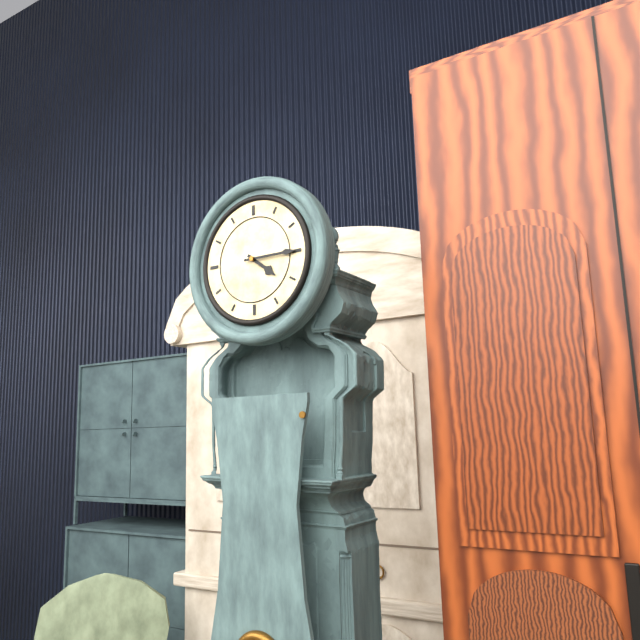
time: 4:15
